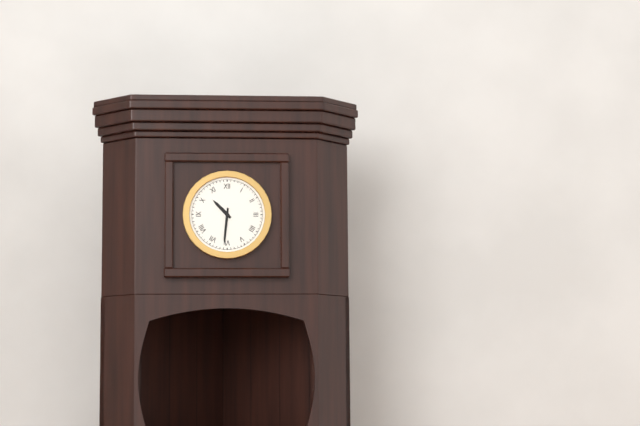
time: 10:31
